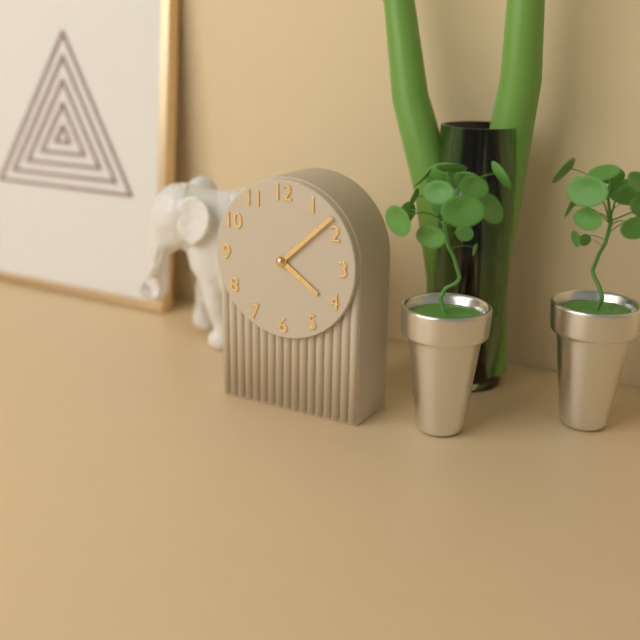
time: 4:08
